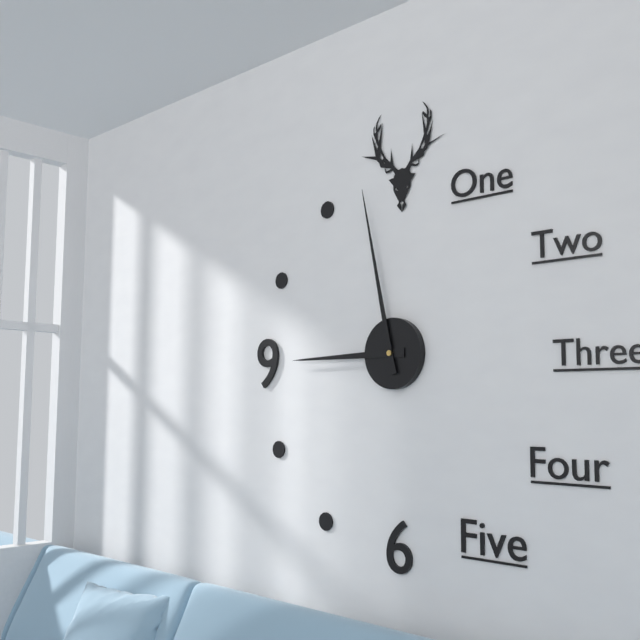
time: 8:58
